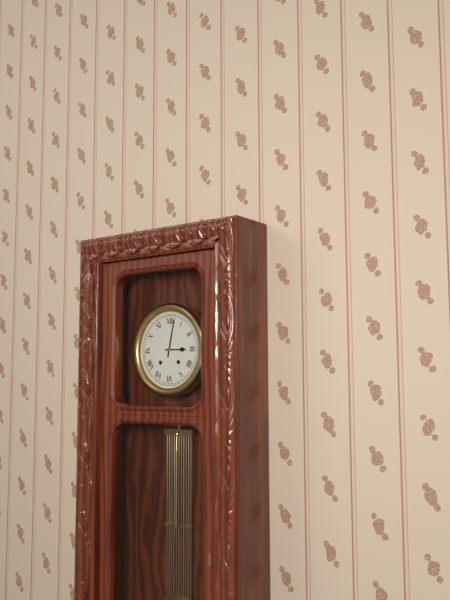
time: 3:02
